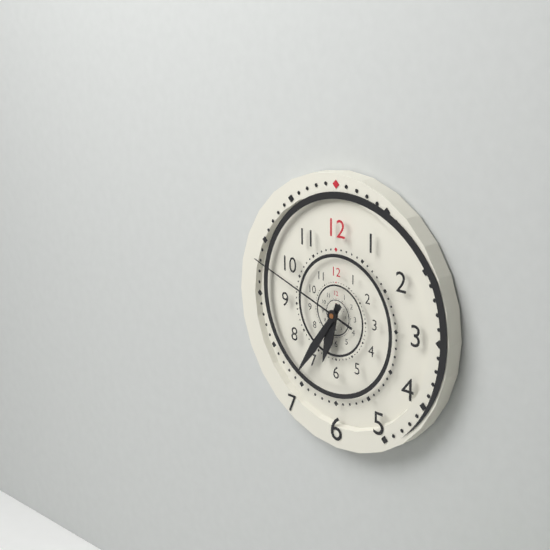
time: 6:36:48
